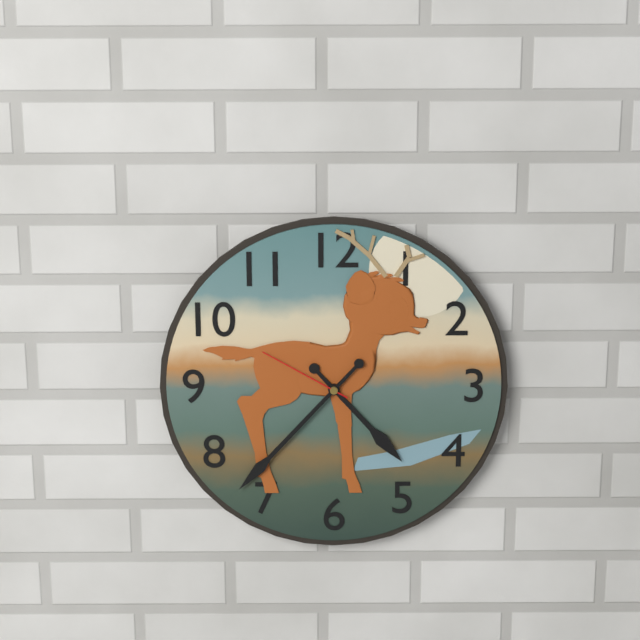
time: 4:37:50
